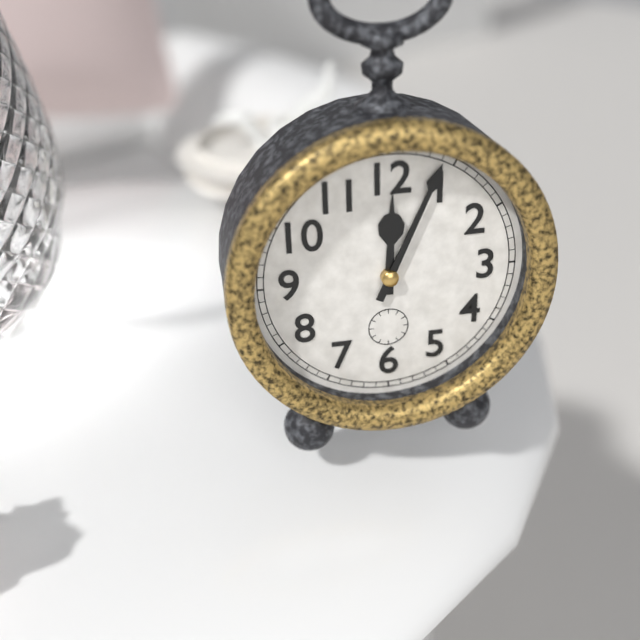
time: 12:04
